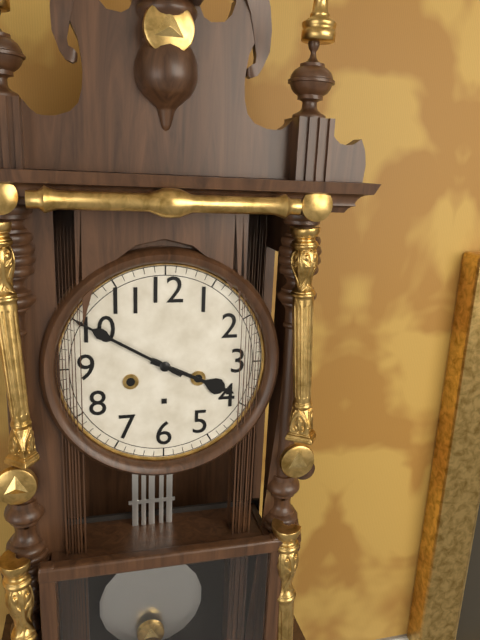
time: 3:50
